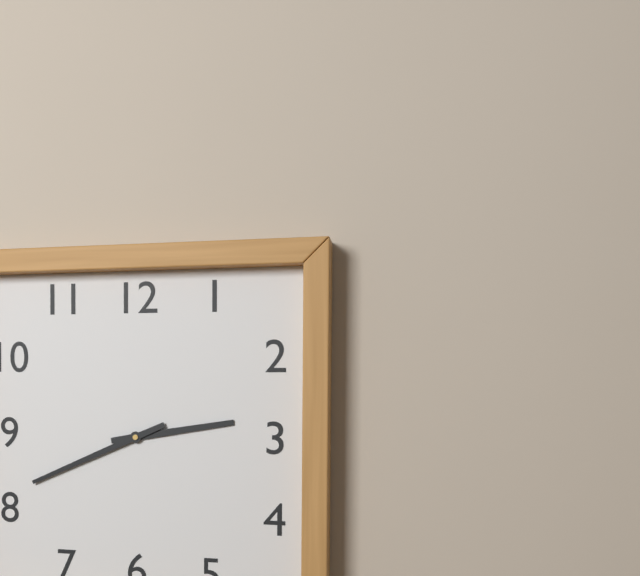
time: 2:41
